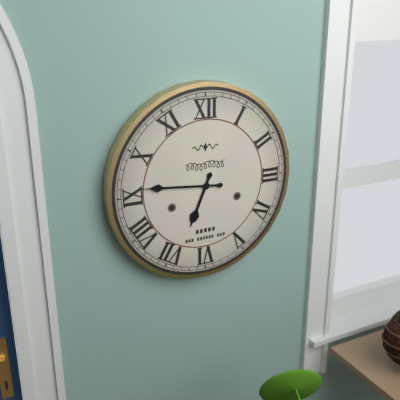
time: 6:46
